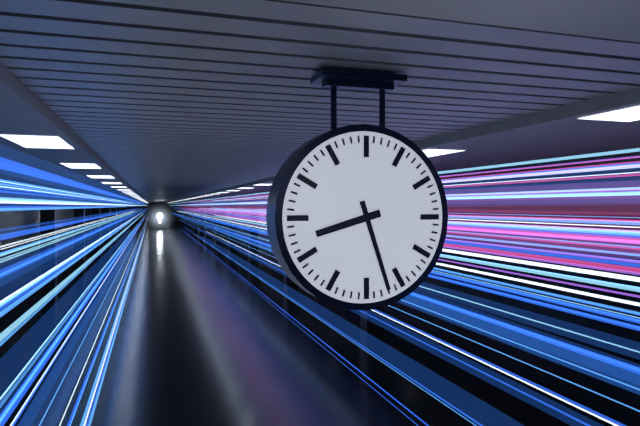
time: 8:27
